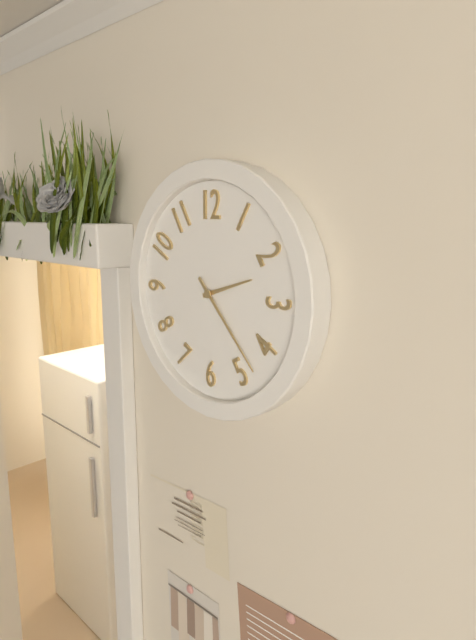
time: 2:23
